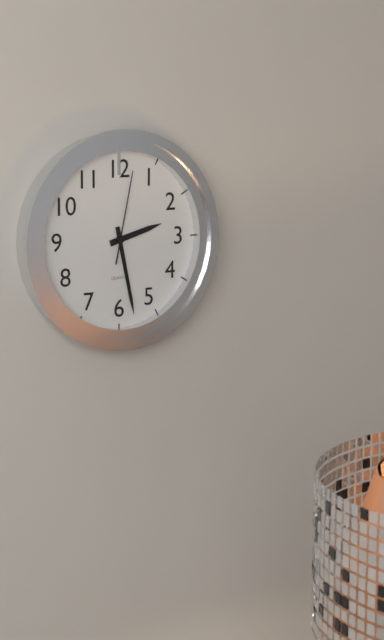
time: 2:28:02
